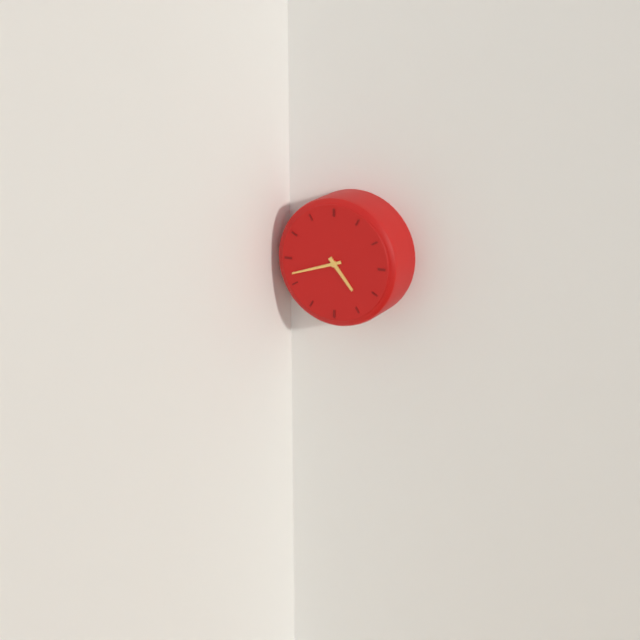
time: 4:42
